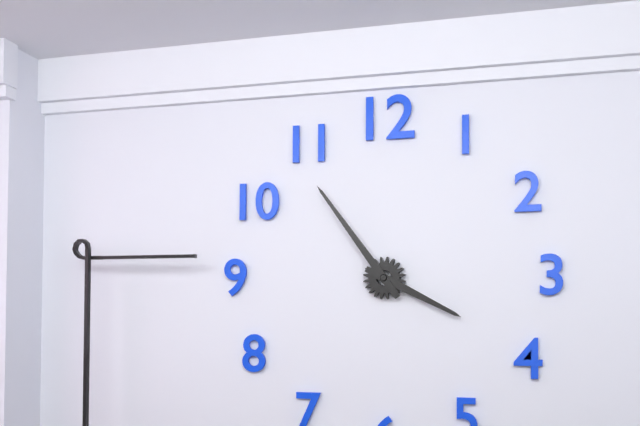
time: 3:54
